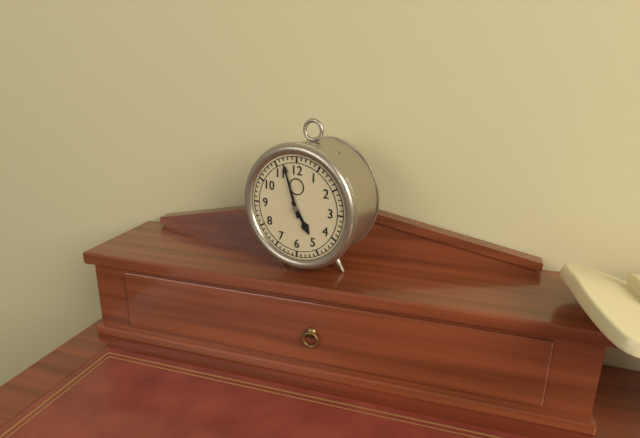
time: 4:57
